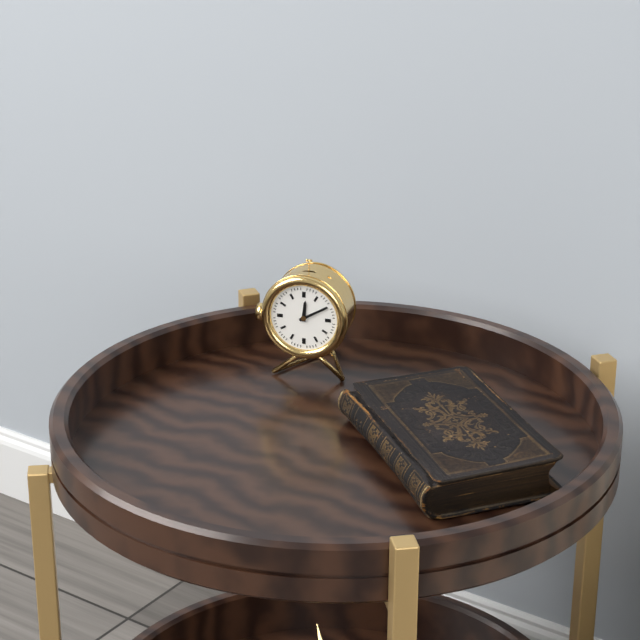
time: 12:10
